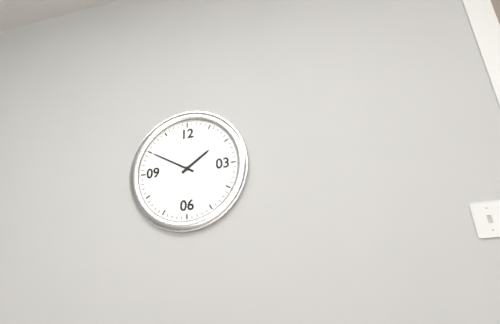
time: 1:50
